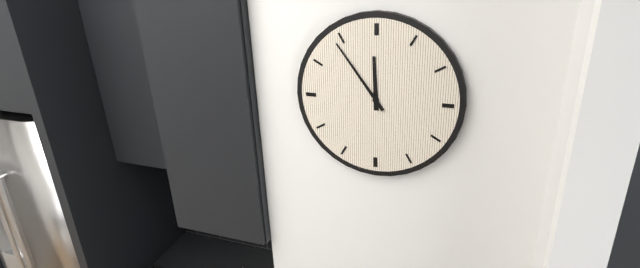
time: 11:54
